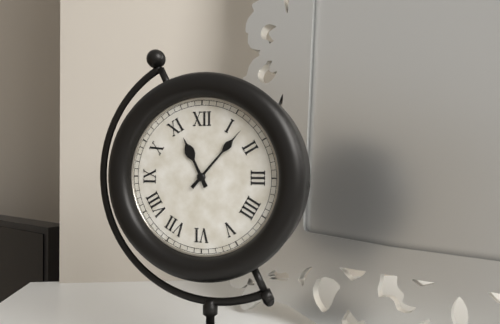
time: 11:07
